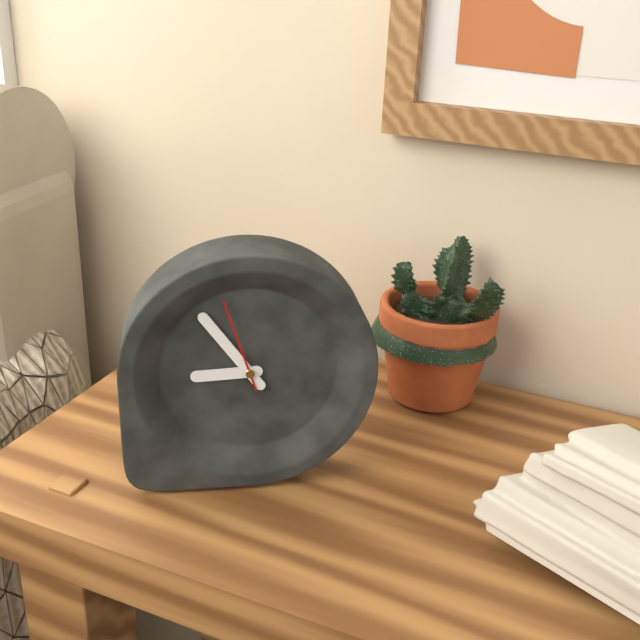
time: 8:54:57
